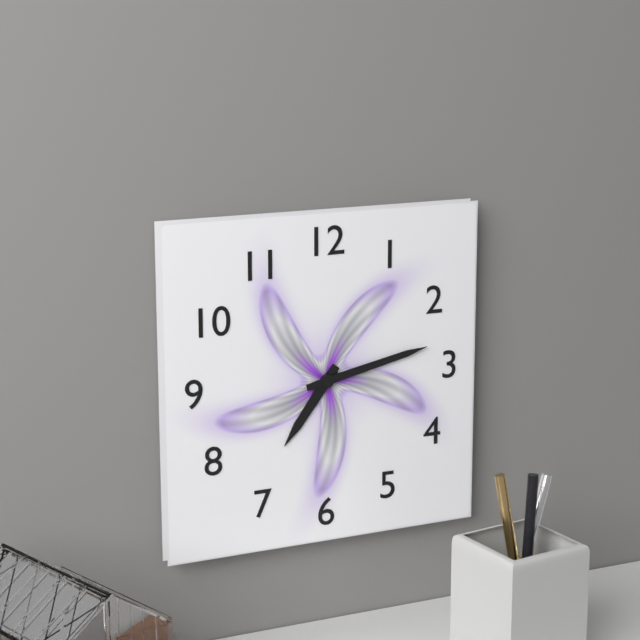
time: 7:13
